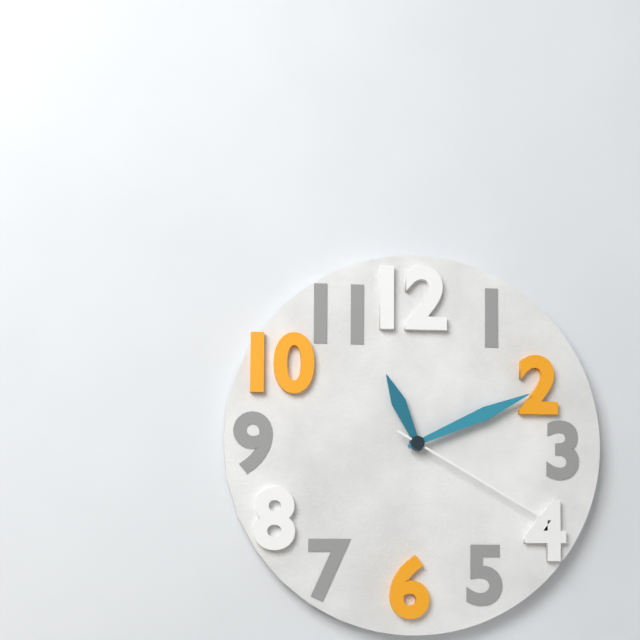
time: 11:11:20
